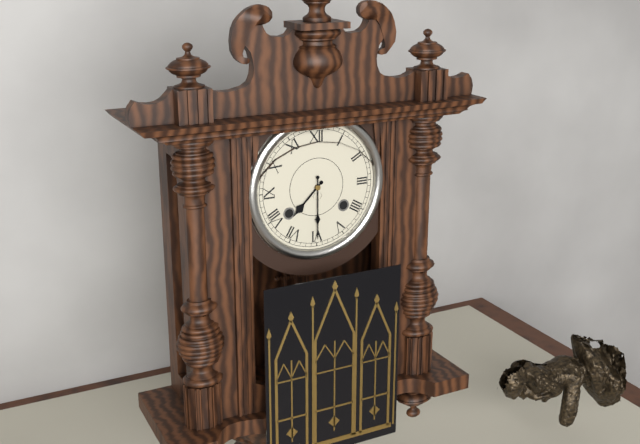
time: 7:30
